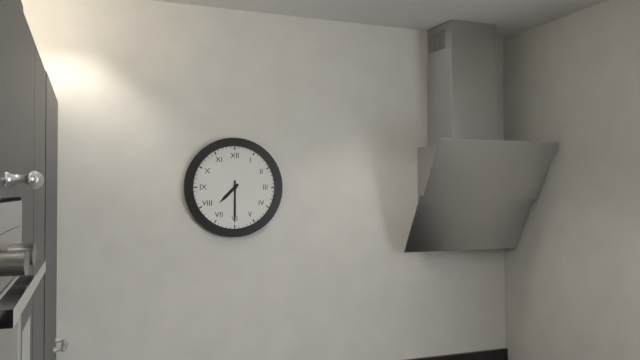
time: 7:30
